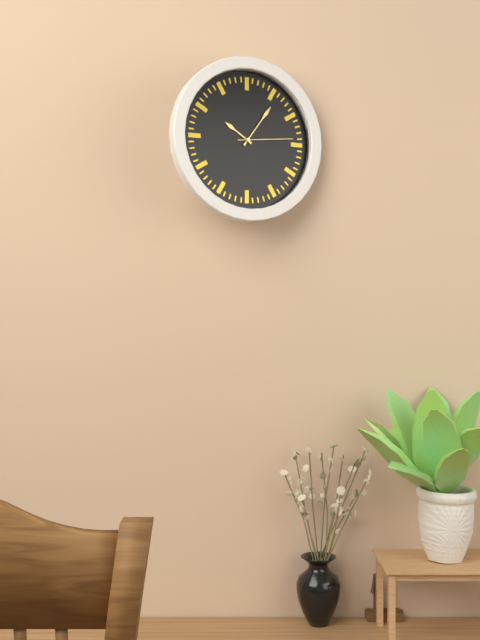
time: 10:06:14
